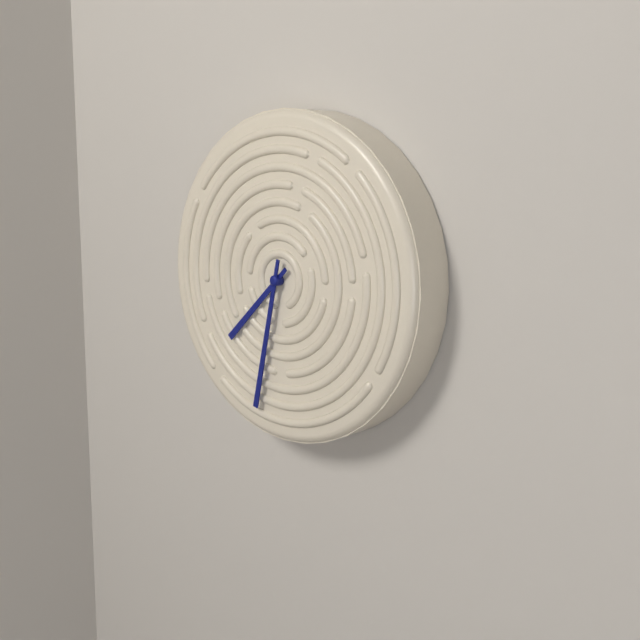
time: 7:32
